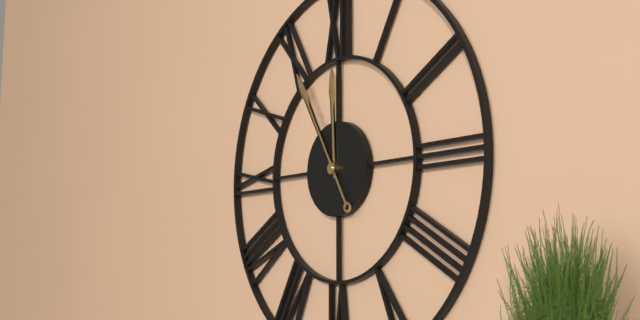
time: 11:55
